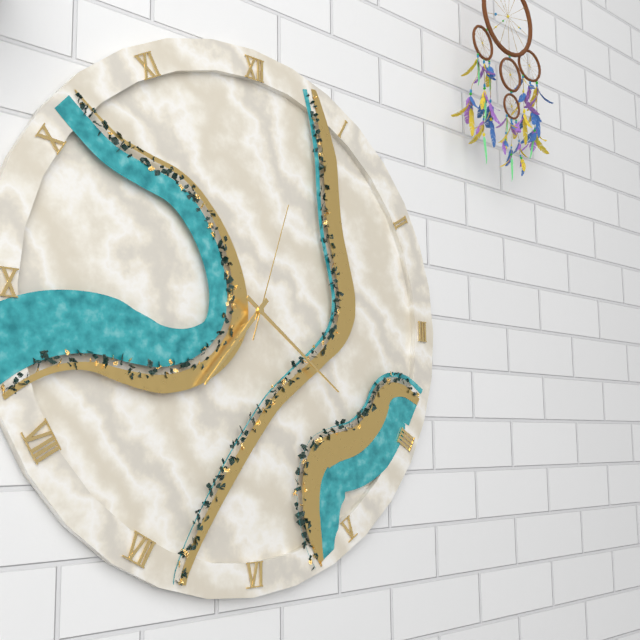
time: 7:21:03
